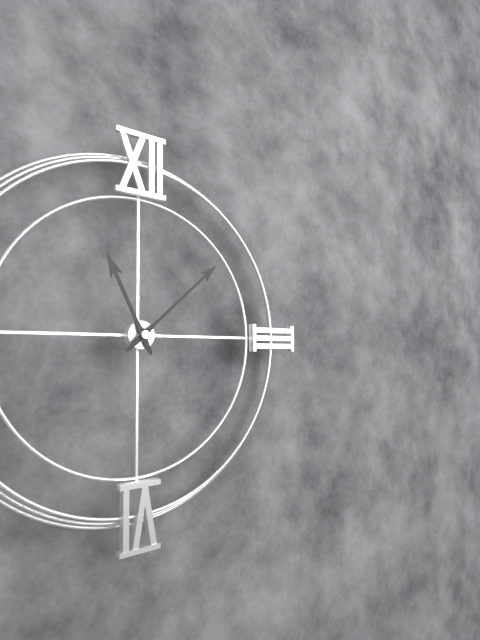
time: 11:08
